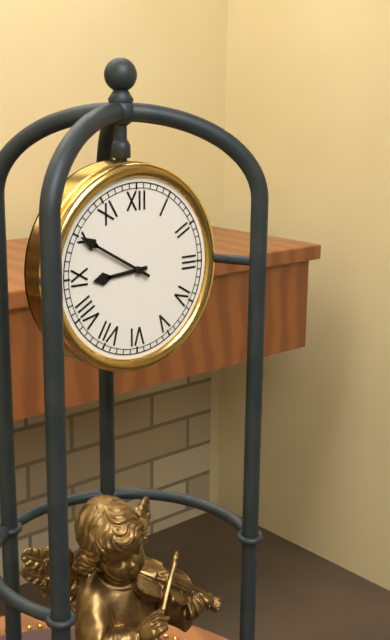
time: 8:50
